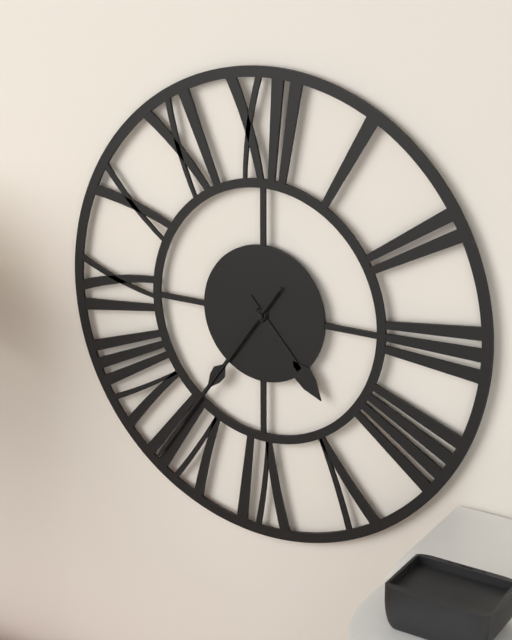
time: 4:36:36
